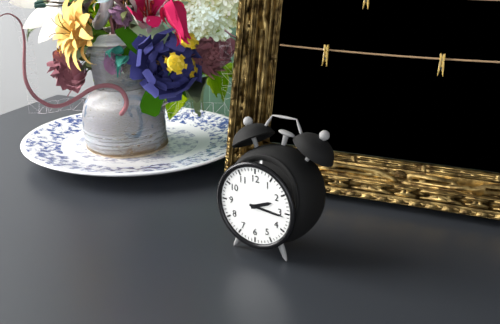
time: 2:16
